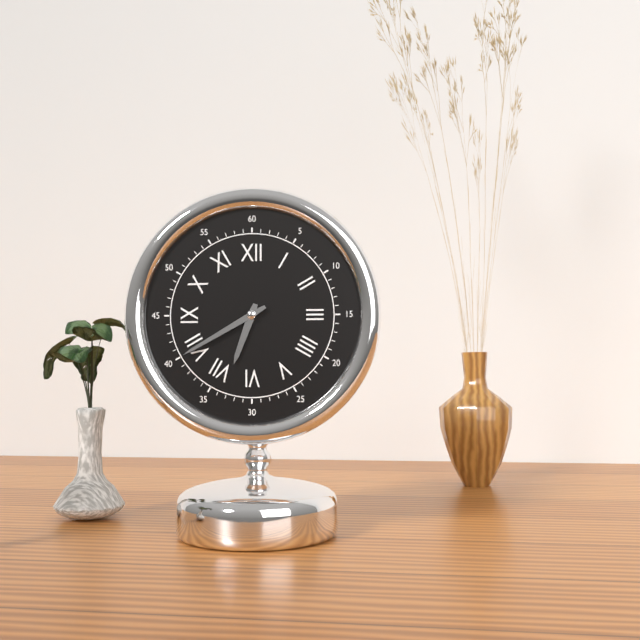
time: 6:40
